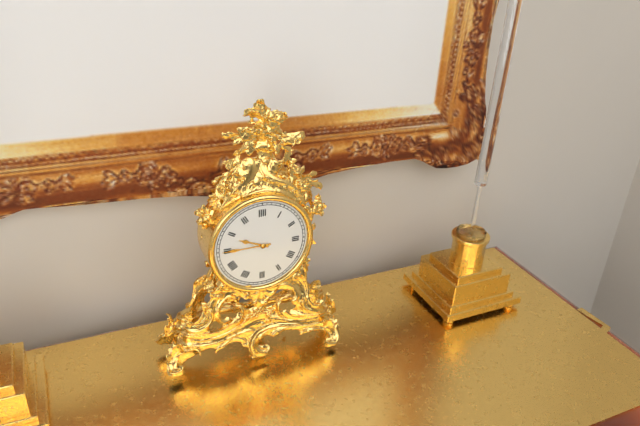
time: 9:45
